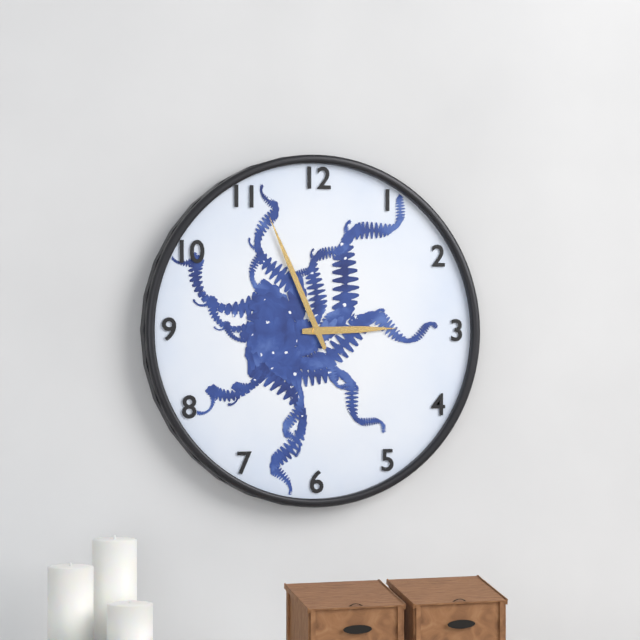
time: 2:56
